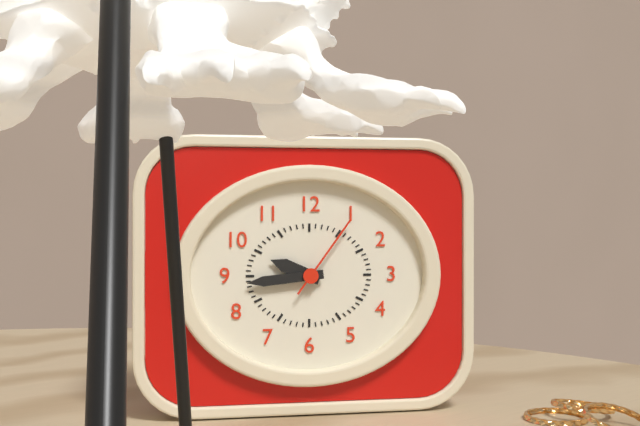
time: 9:44:06
